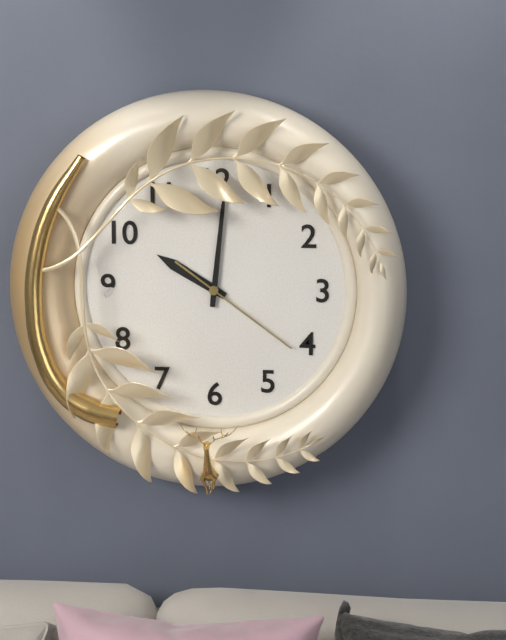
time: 10:01:21
